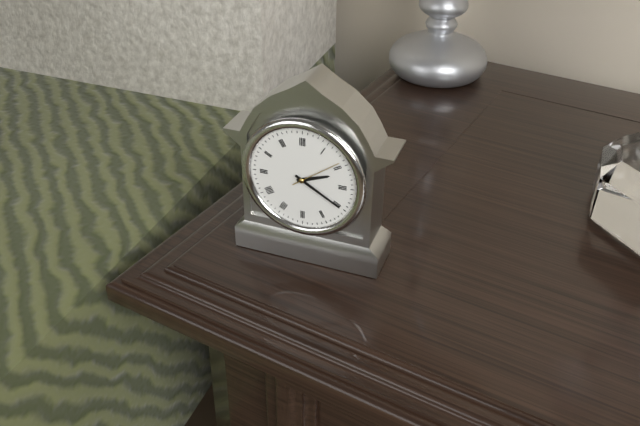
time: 2:20
